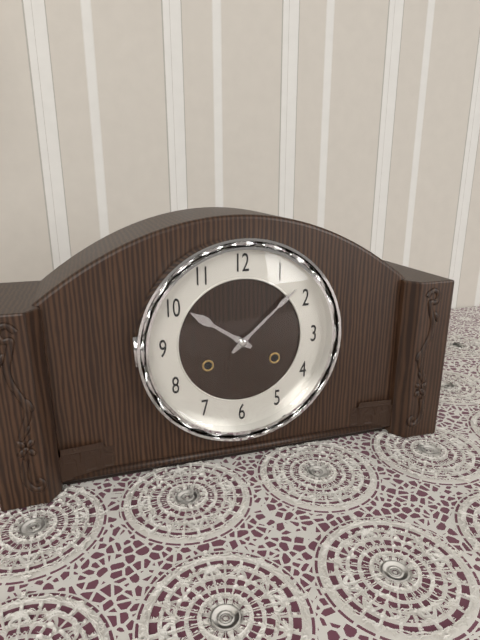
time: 10:08
